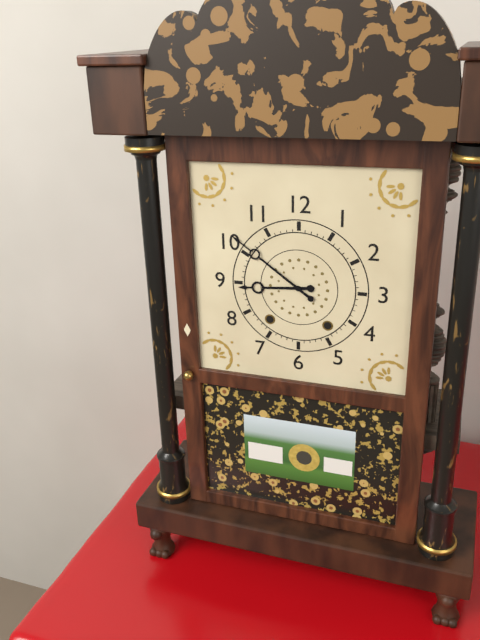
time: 8:51
